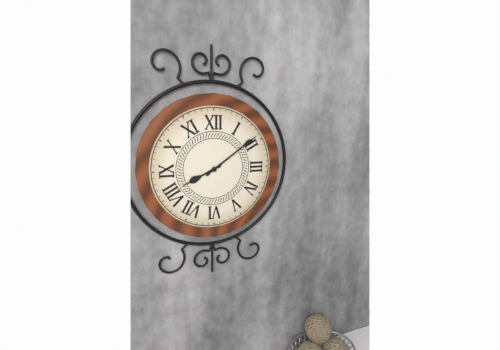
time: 8:09
